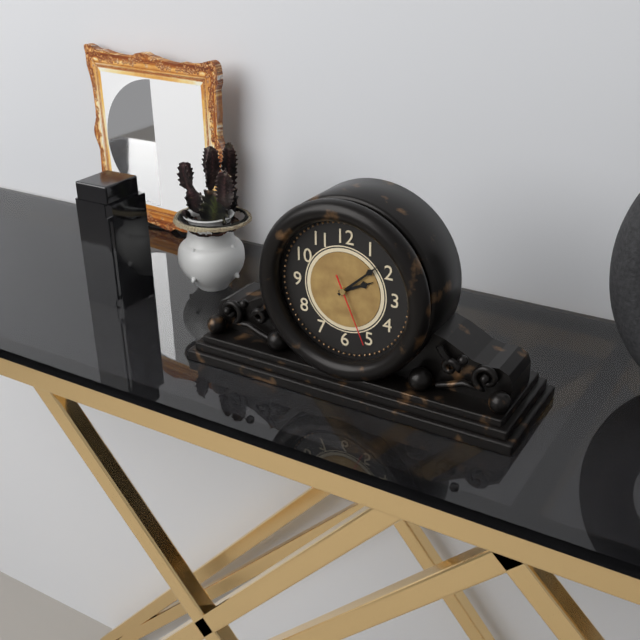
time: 2:08:26
